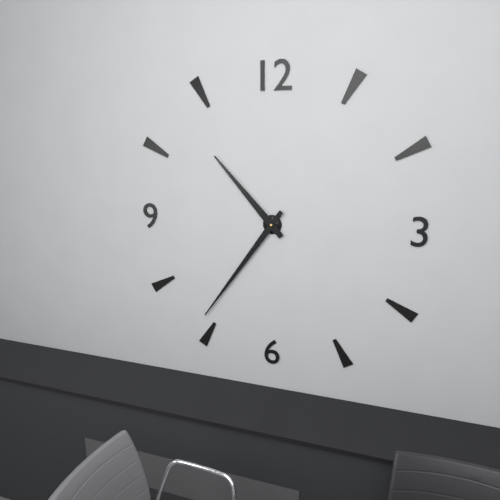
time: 10:36
